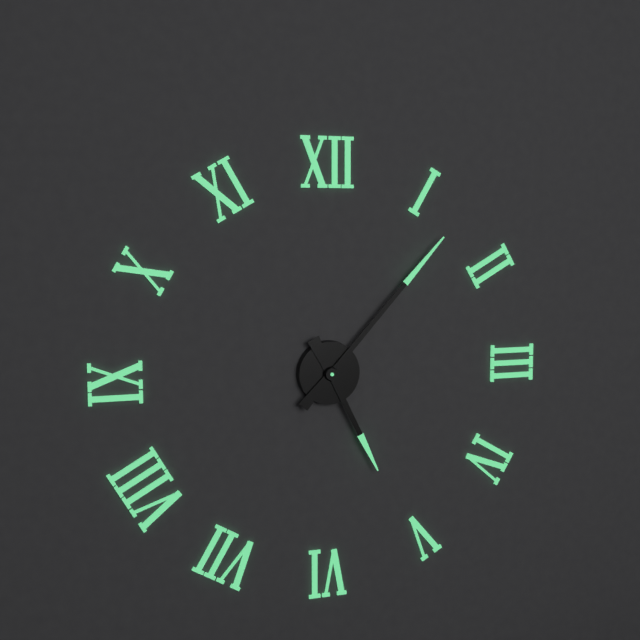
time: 5:07
